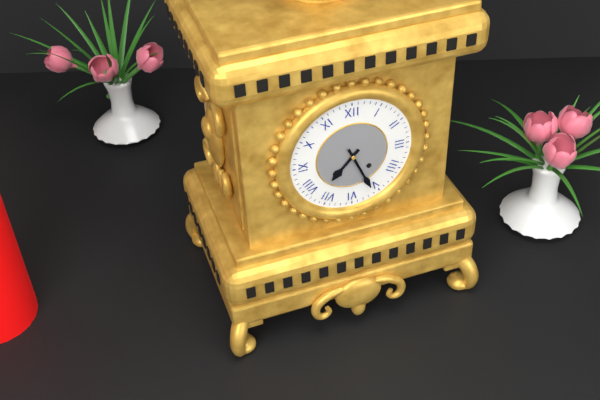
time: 7:26
